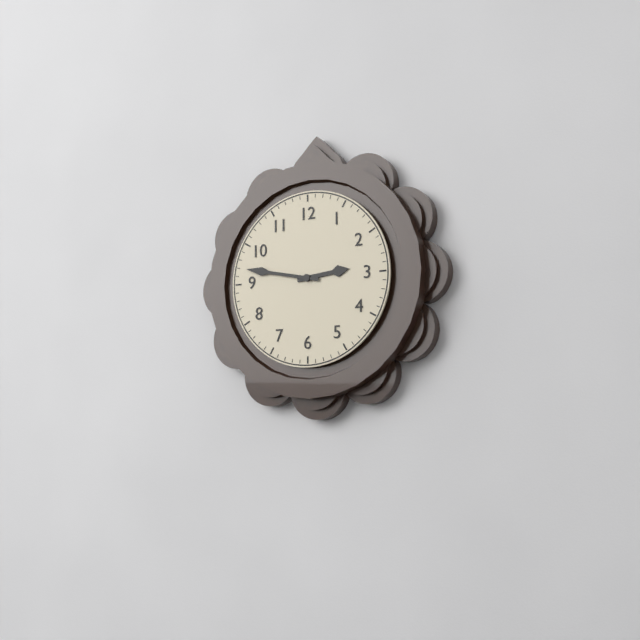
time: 2:47
